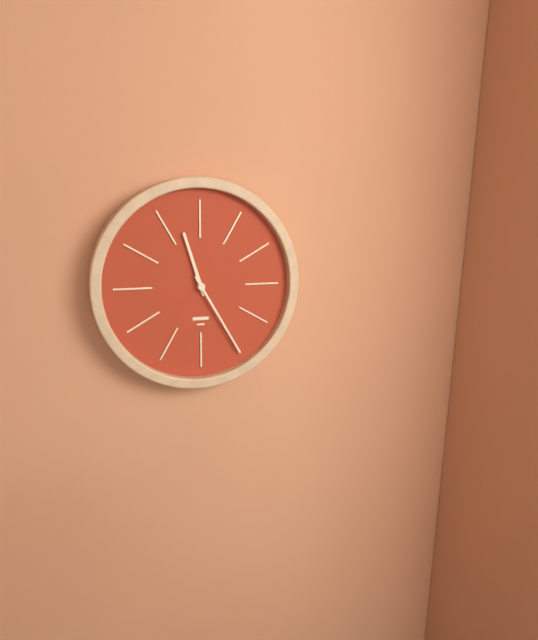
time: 11:25
